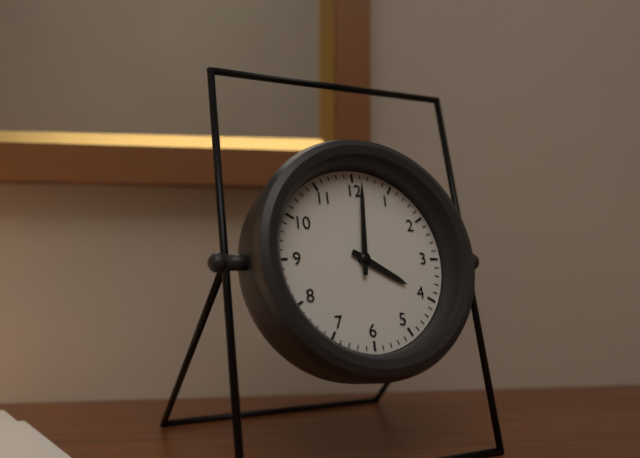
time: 4:01
